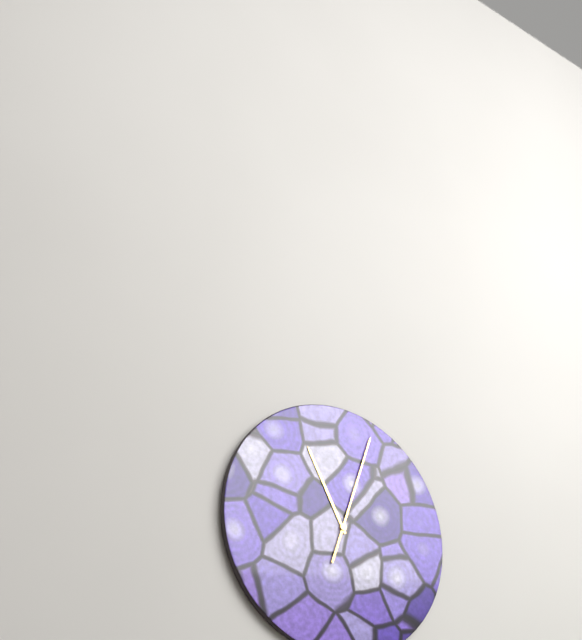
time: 11:03
